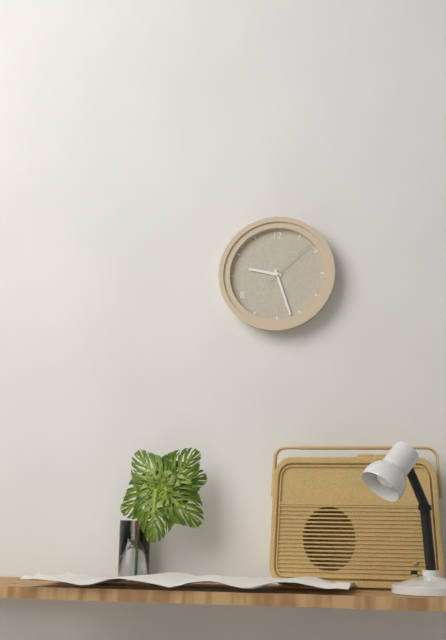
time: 9:27:08
